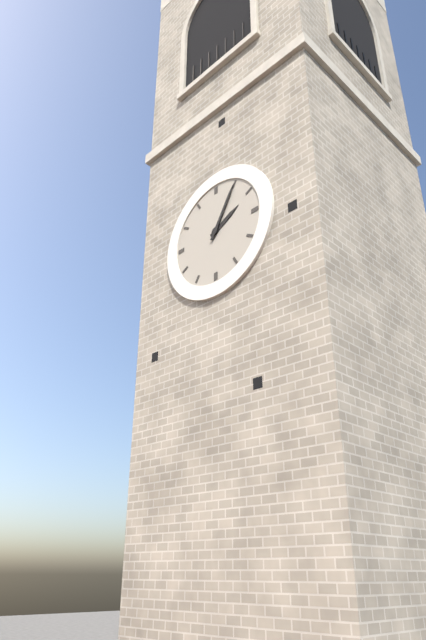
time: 2:05
